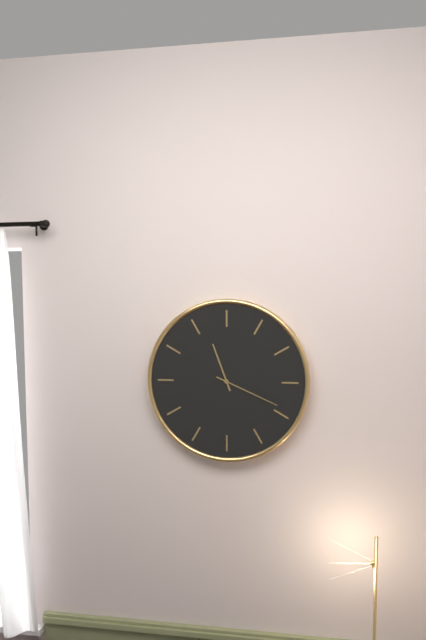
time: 11:19
